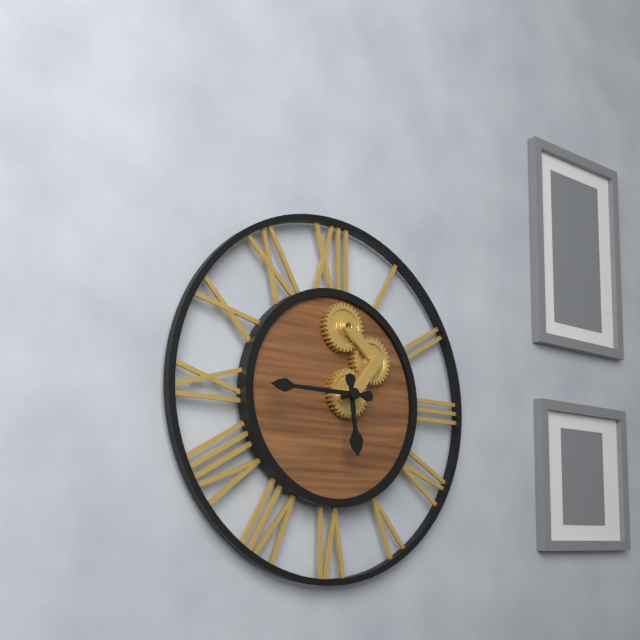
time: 5:45
